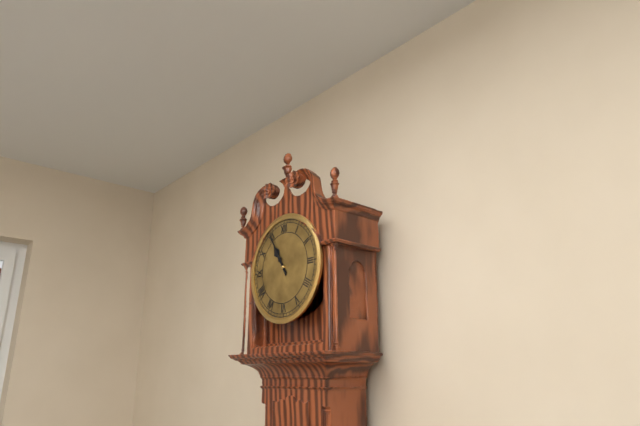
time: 10:55
